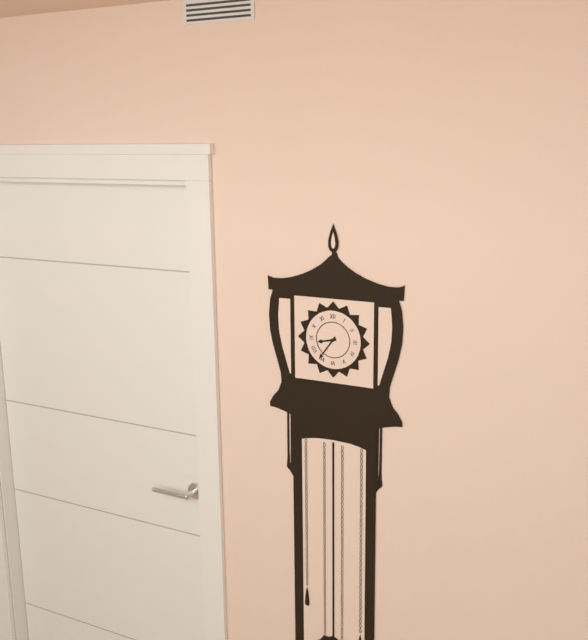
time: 8:36
